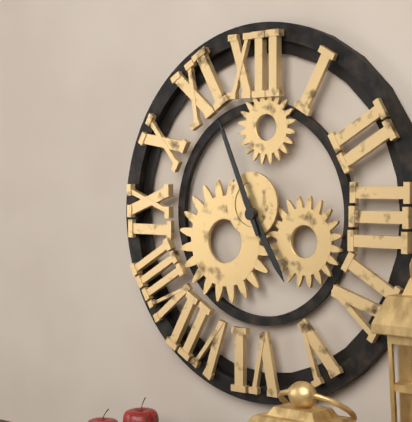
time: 4:56
